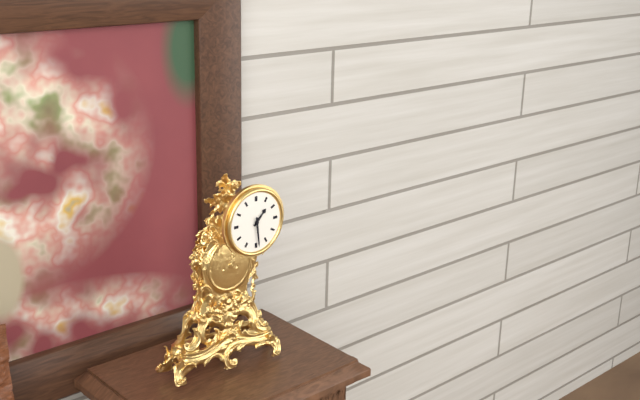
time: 1:29
